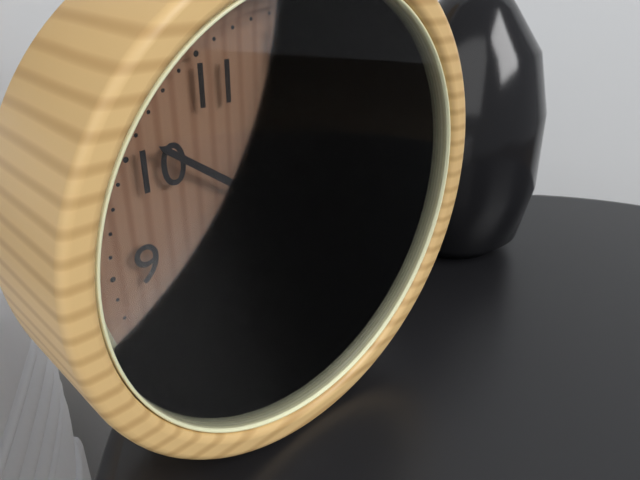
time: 2:51:02
